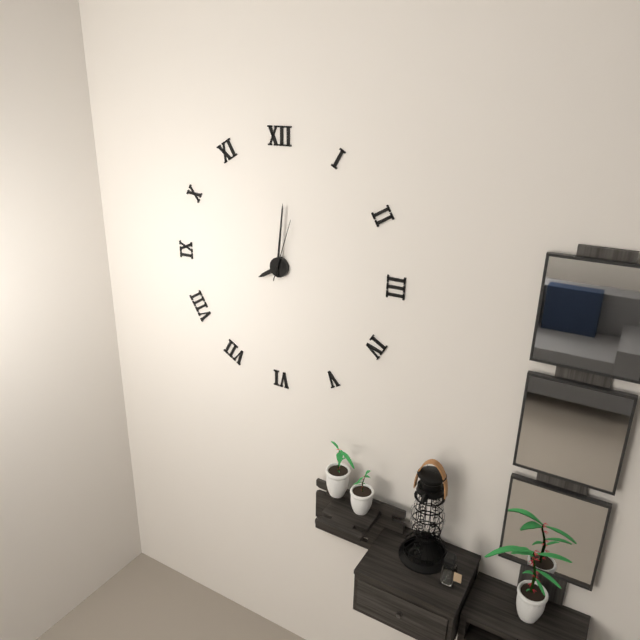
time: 8:01:03
